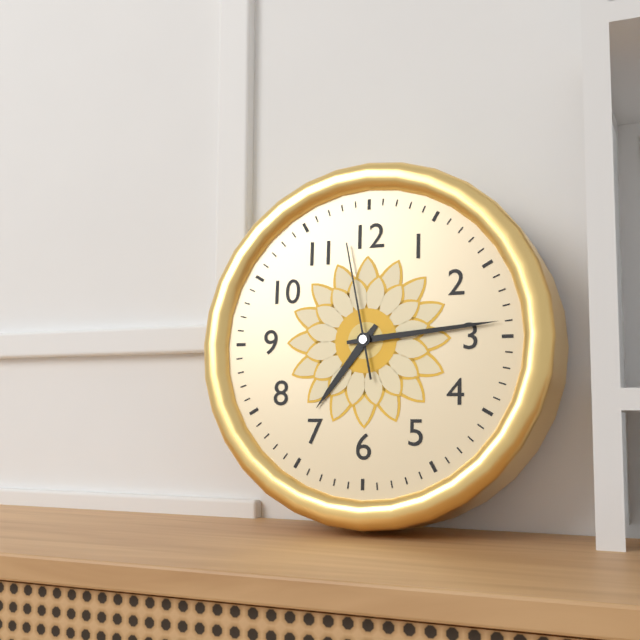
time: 7:14:58
